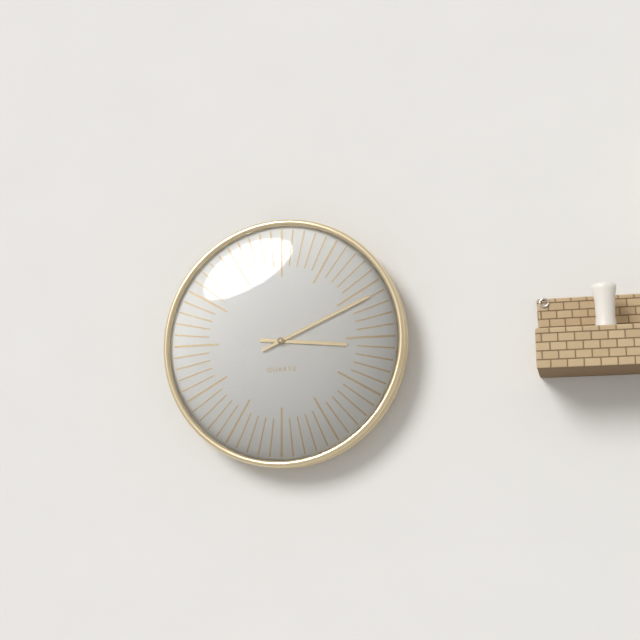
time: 3:11
